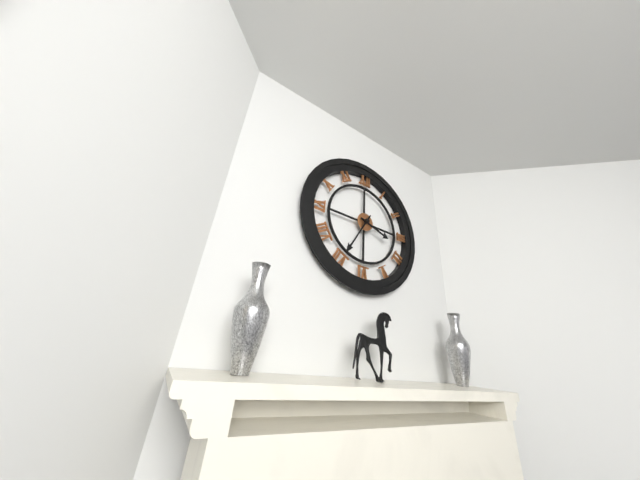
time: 3:35
